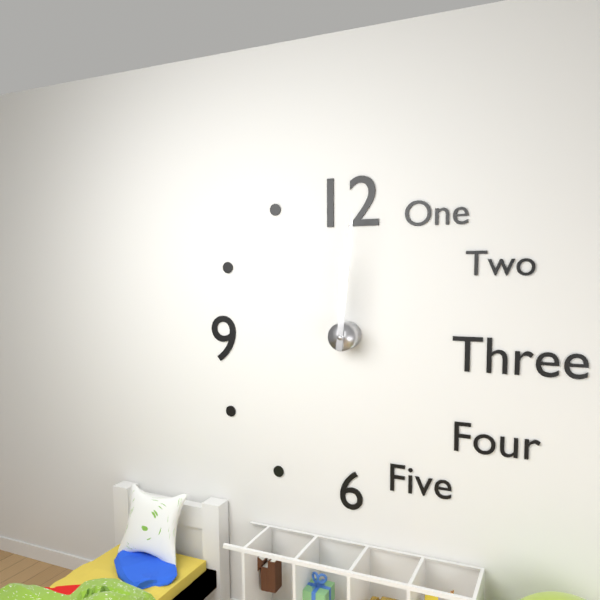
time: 12:01
